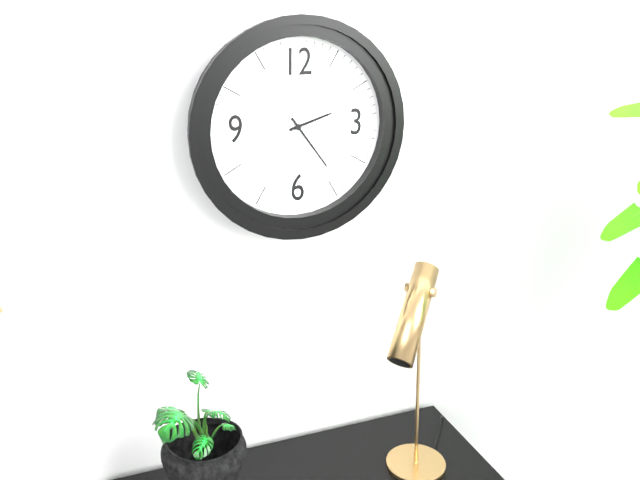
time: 2:24
